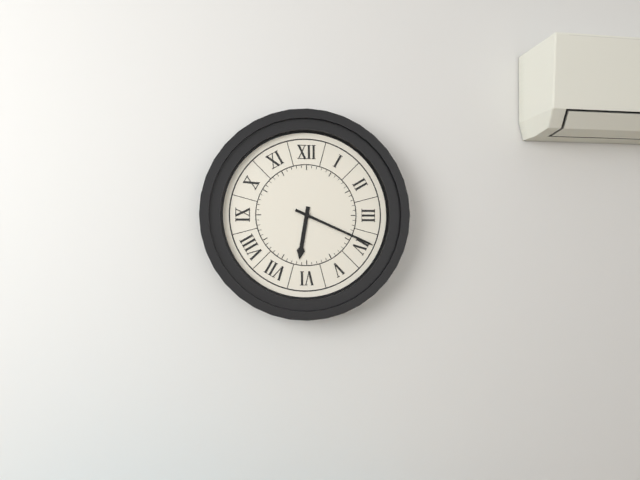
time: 6:19
